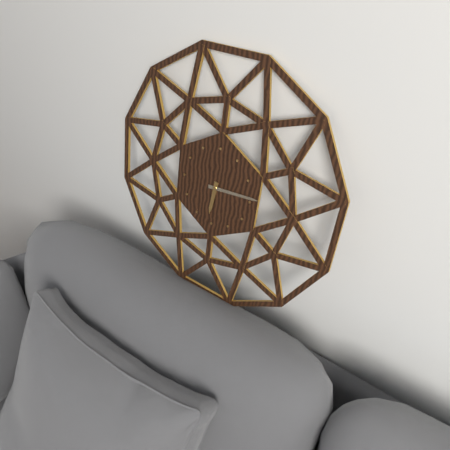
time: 6:14
